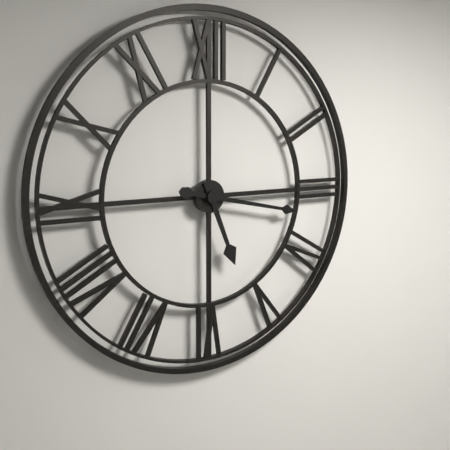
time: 5:17
